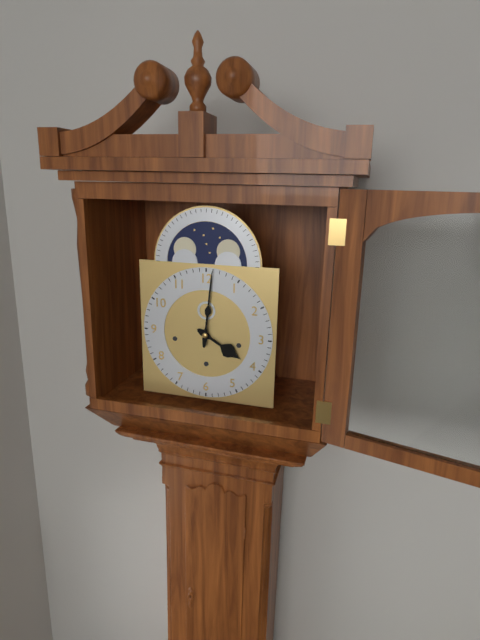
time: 4:01
